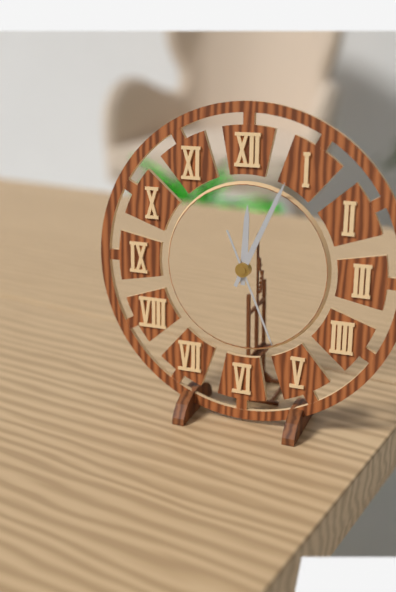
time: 12:04:26
